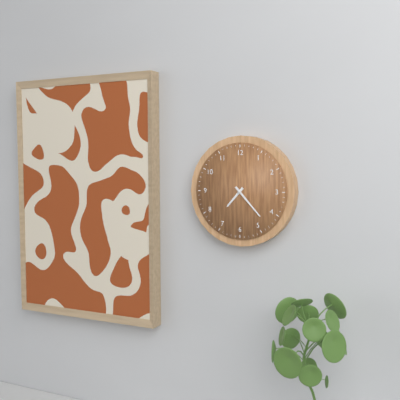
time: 7:23
